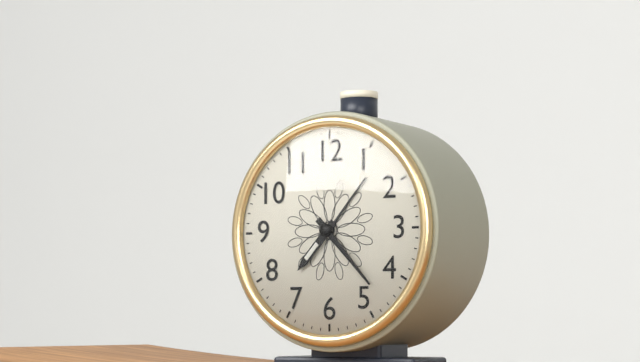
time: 7:23
